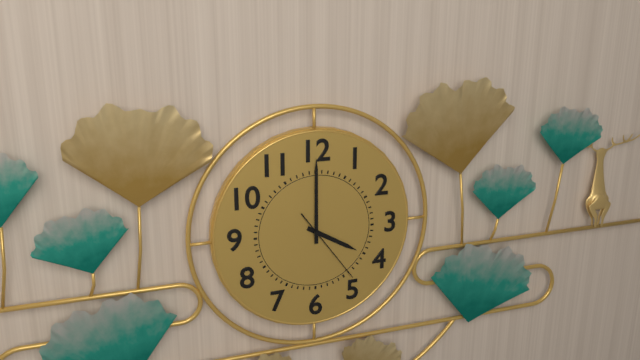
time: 4:00:24
